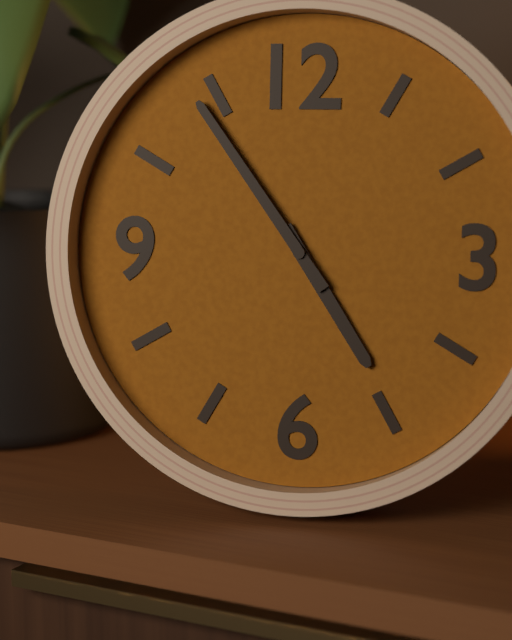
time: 4:54
